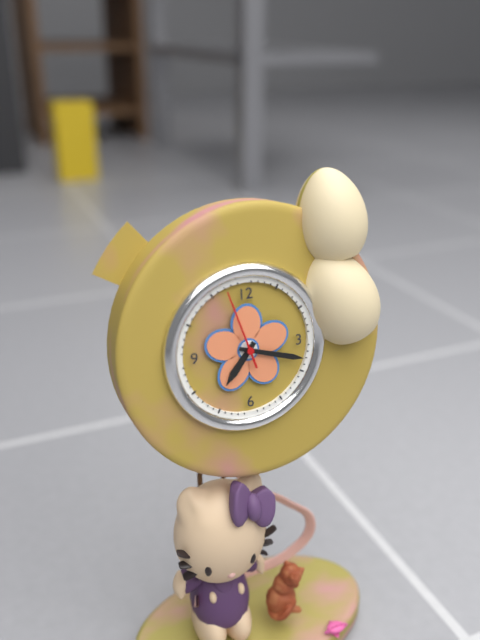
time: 7:18:57
